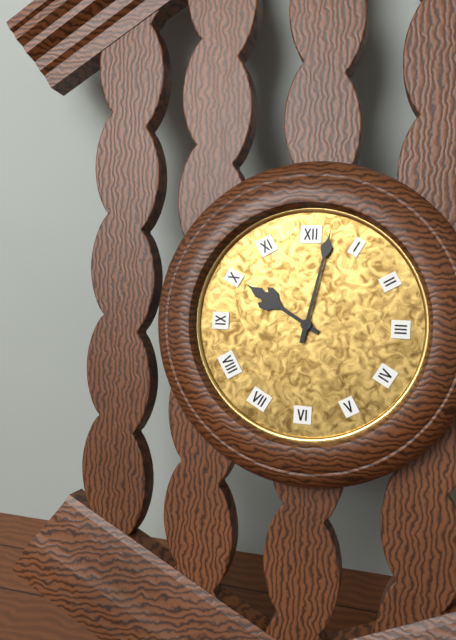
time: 10:02
